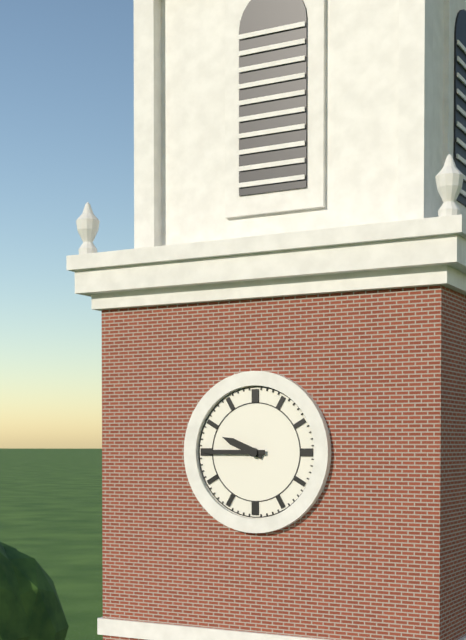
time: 9:45
